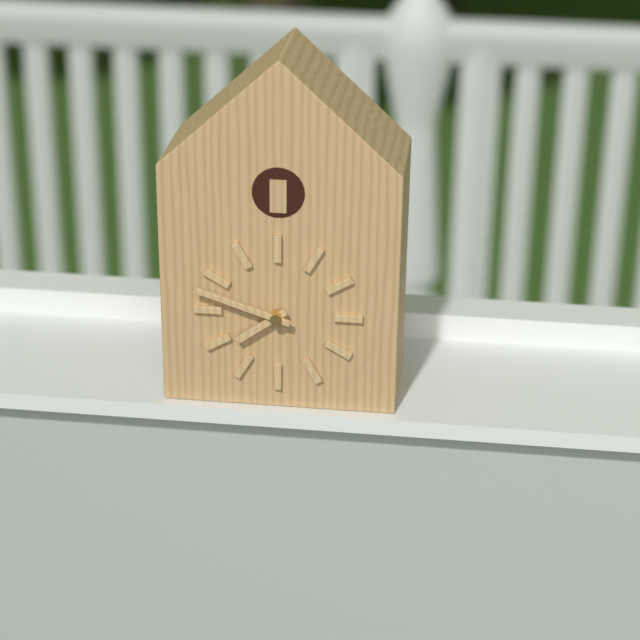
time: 7:48
